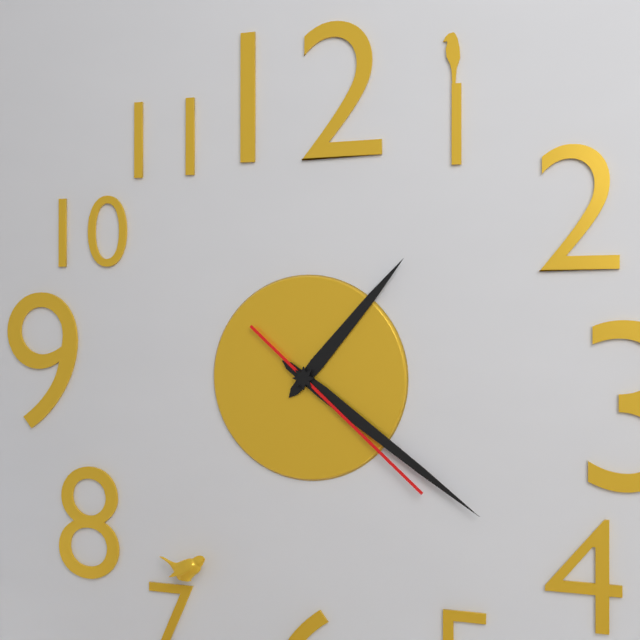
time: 1:21:22
